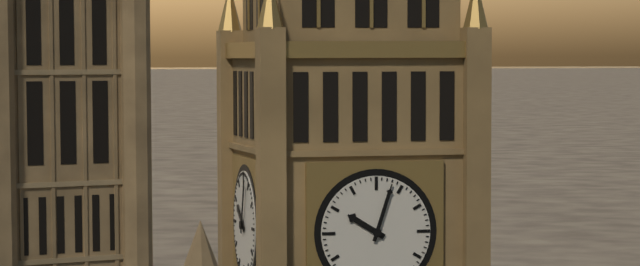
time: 10:03
